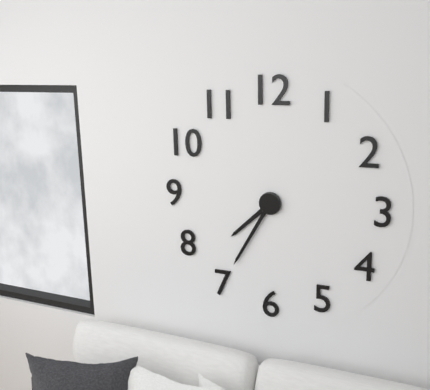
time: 7:35
